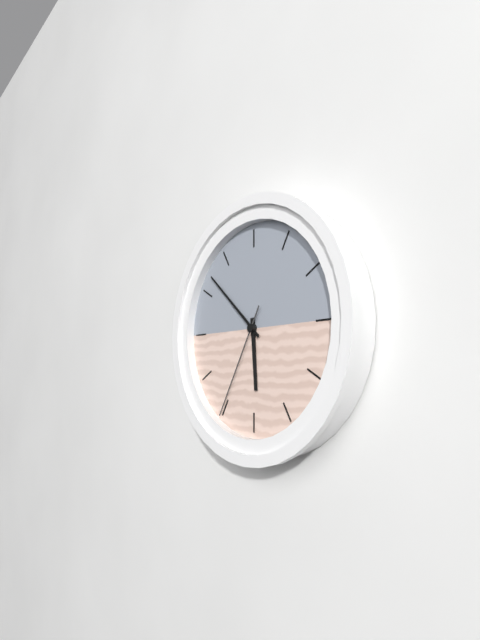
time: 5:52:35
